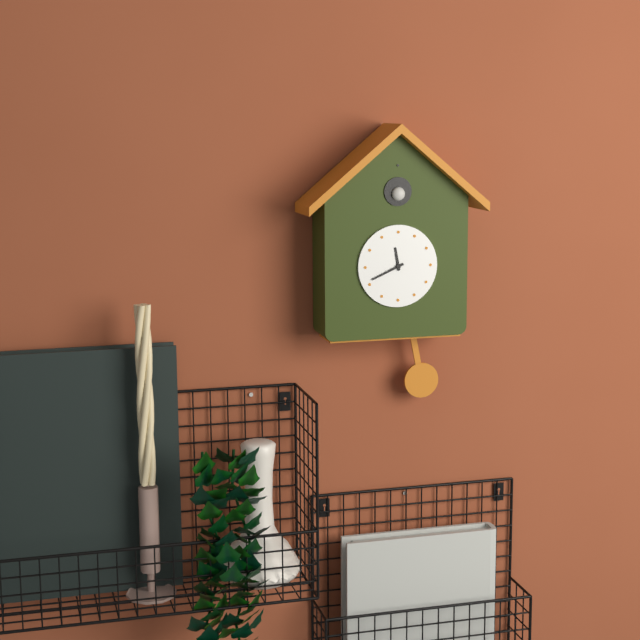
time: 11:41
